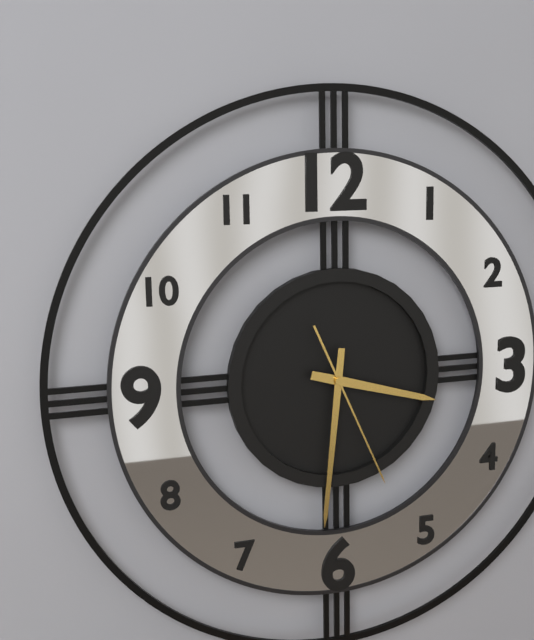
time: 3:31:26
